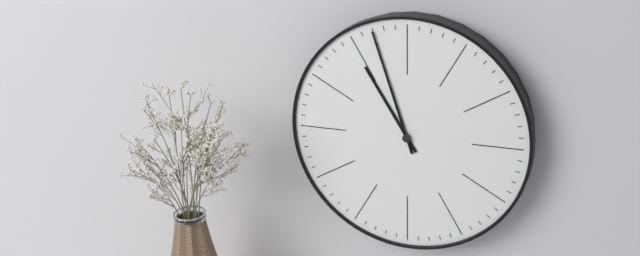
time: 10:57
